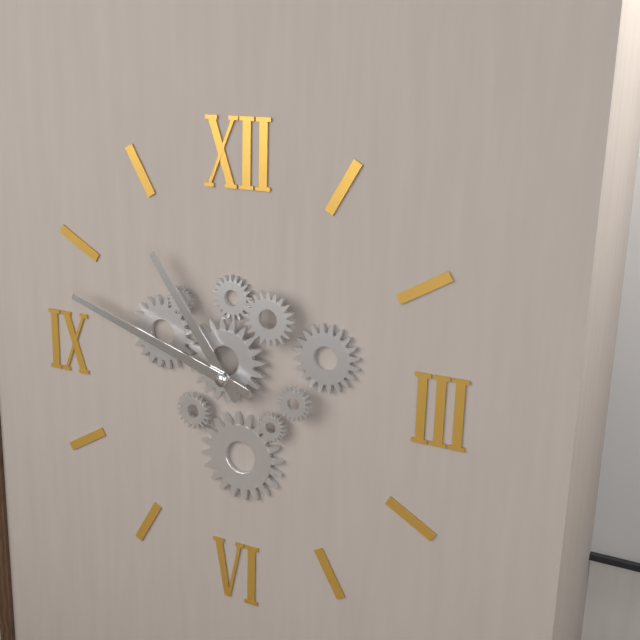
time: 10:48
